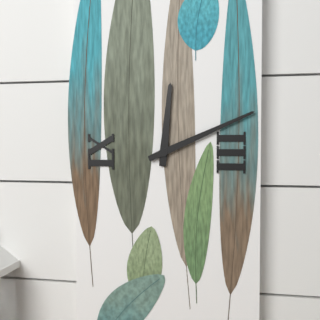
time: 12:11
